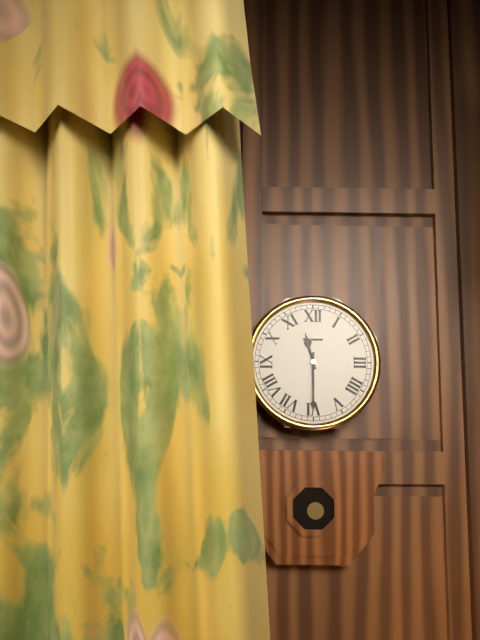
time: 11:30
